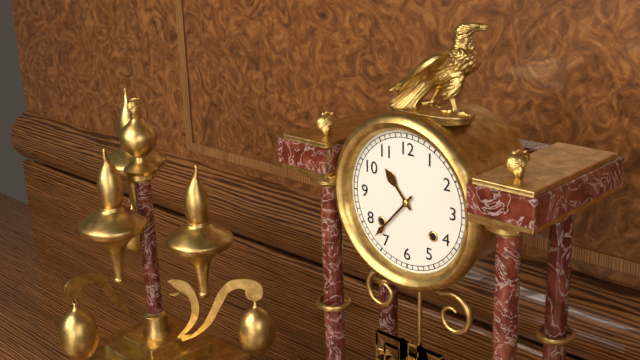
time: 10:37
